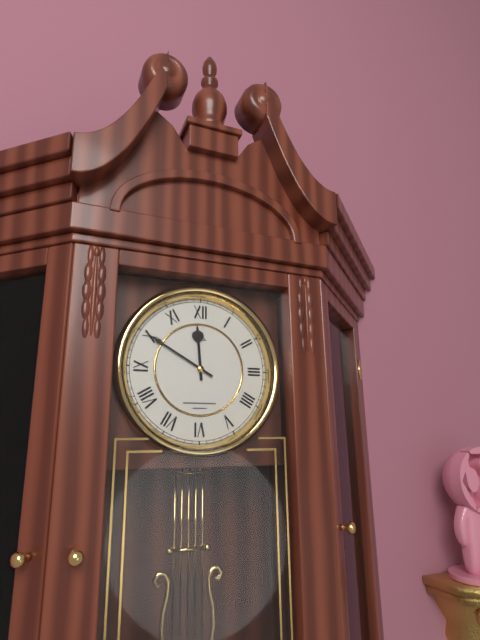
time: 11:50
